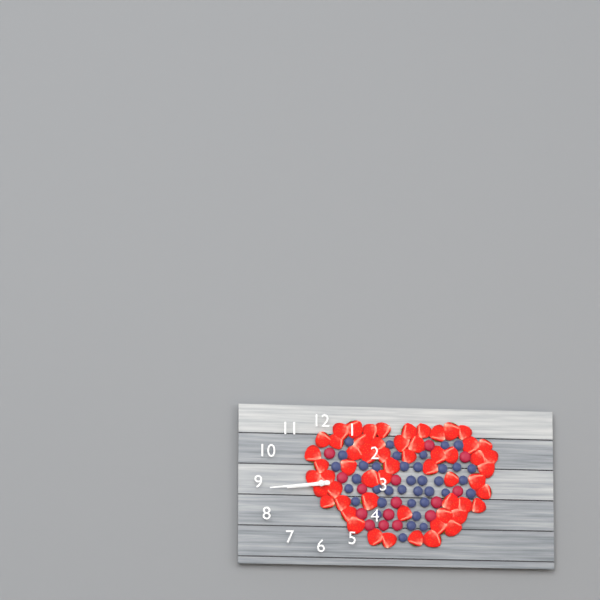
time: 8:44
